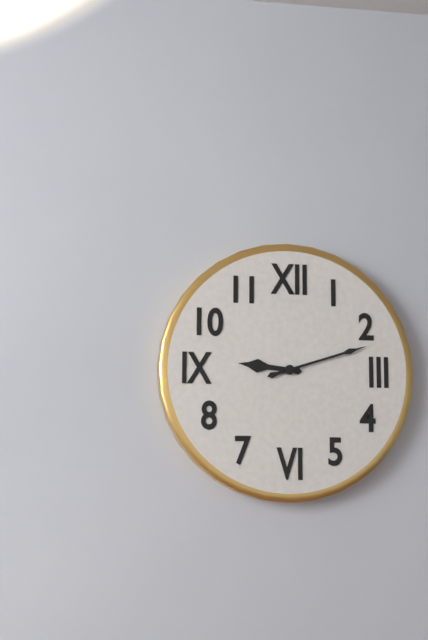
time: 9:12
